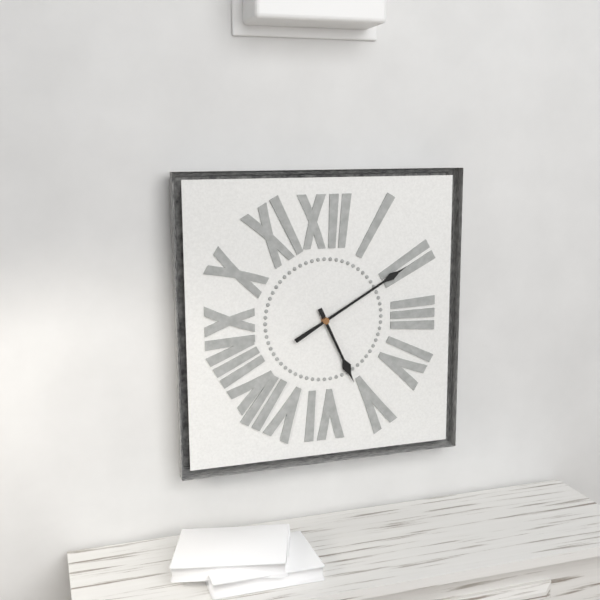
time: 5:10
